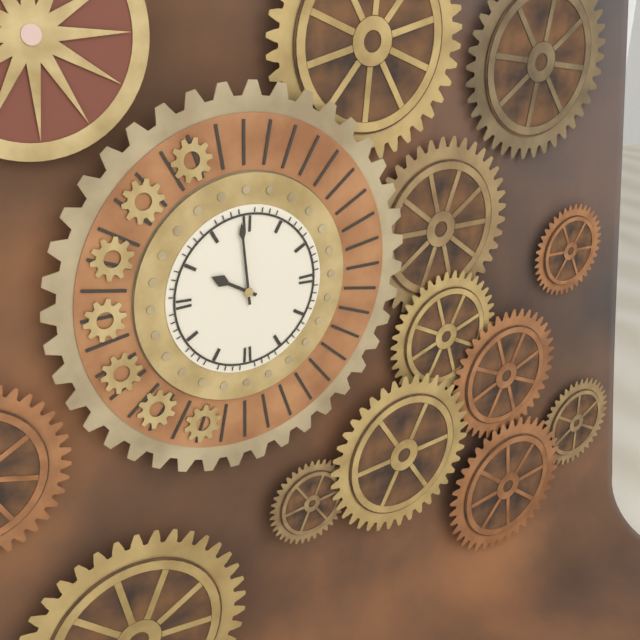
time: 9:59
